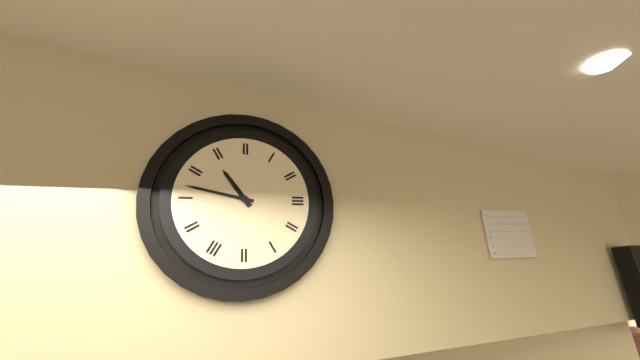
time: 10:47
